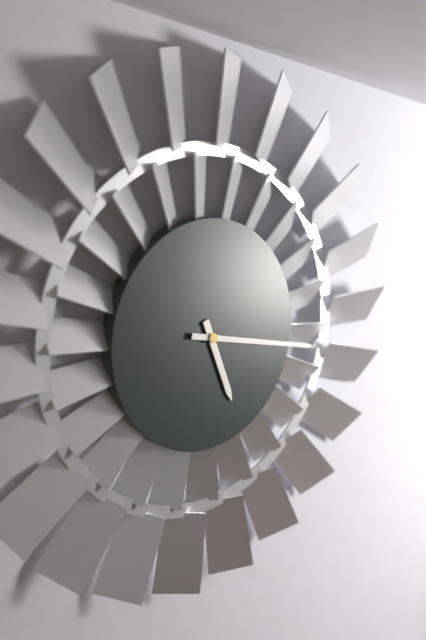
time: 5:17
